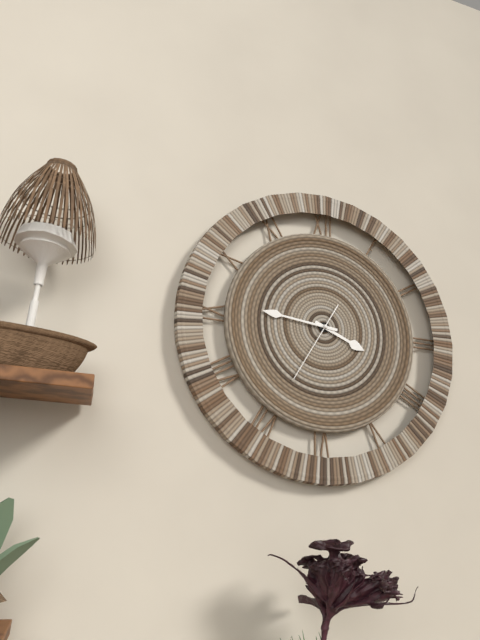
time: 3:46:35
